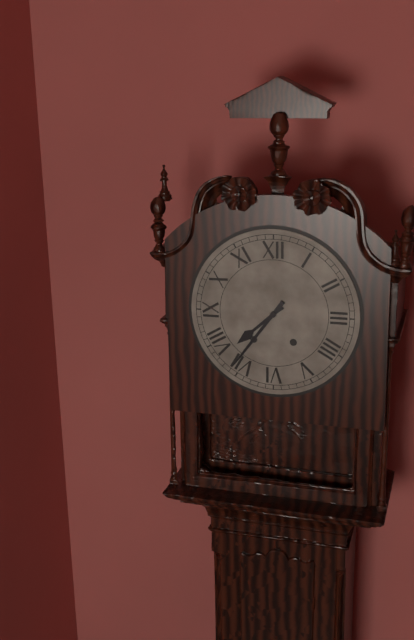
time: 7:36
